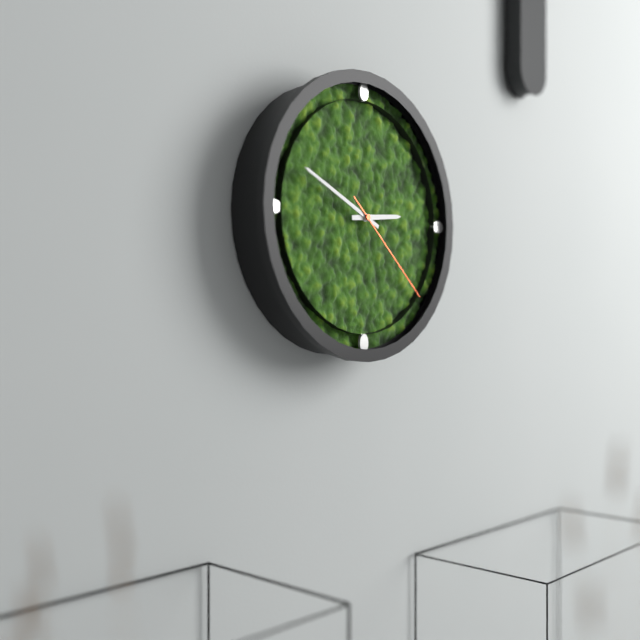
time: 2:49:22
